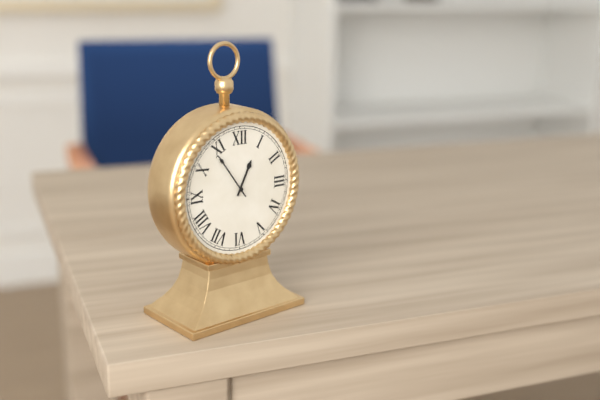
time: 12:54
